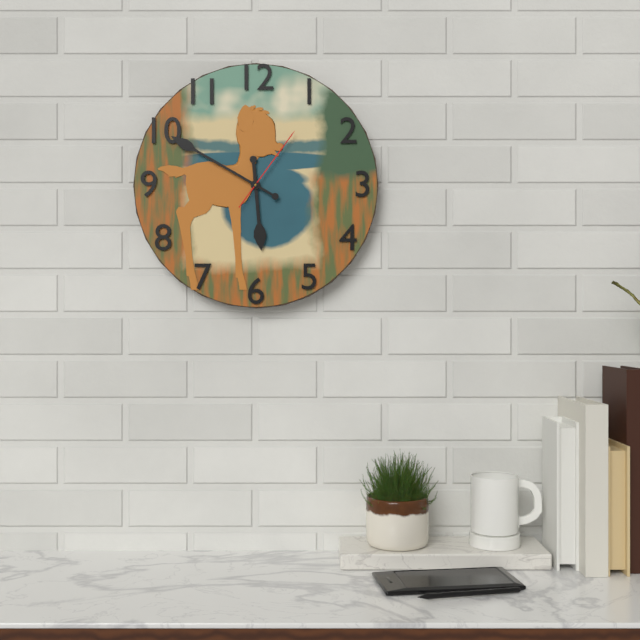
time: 5:50:06
